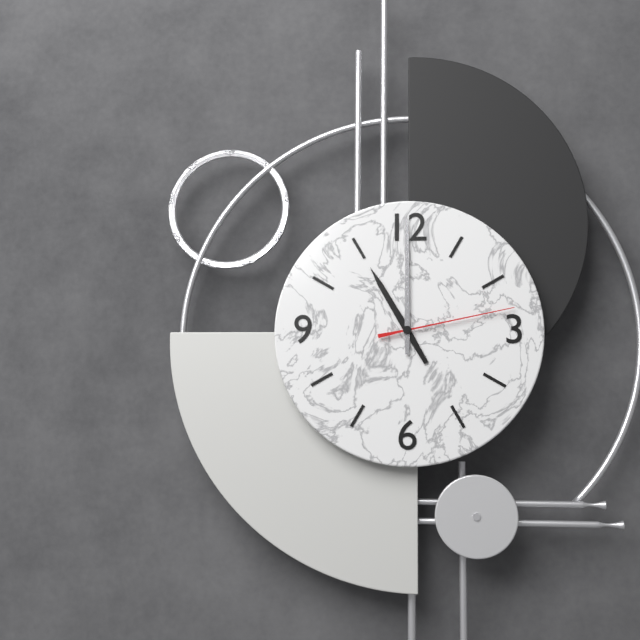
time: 11:00:13
